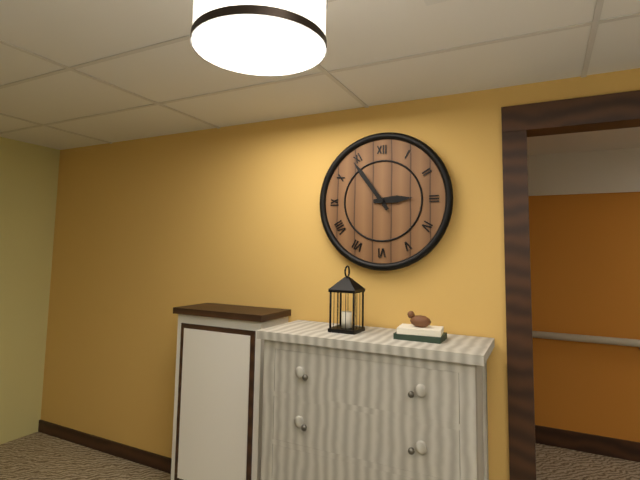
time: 2:54
